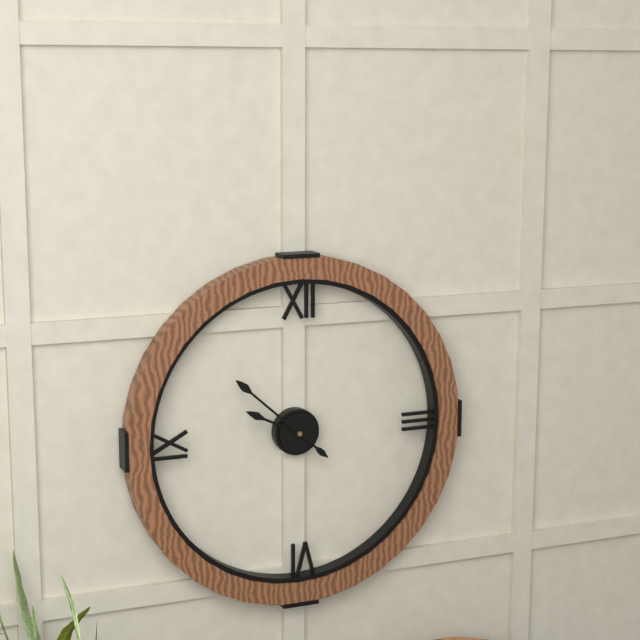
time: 9:52
